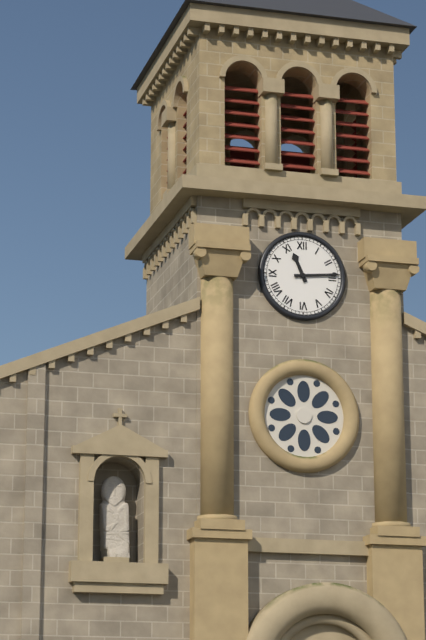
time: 11:14
